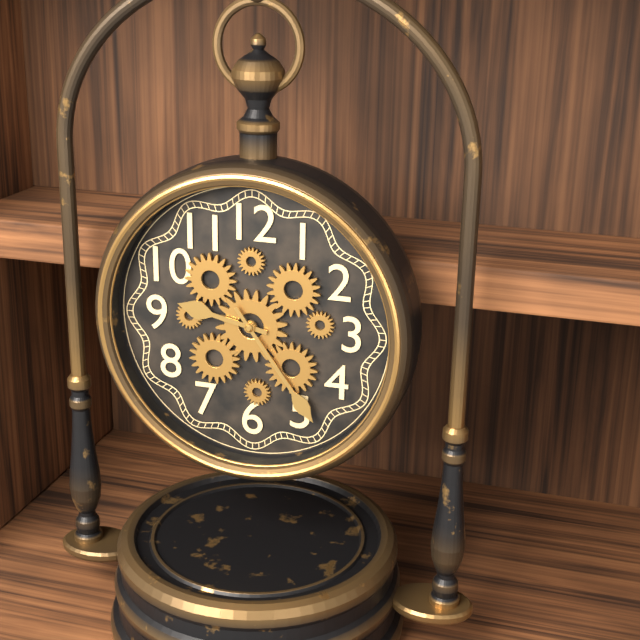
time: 9:24
